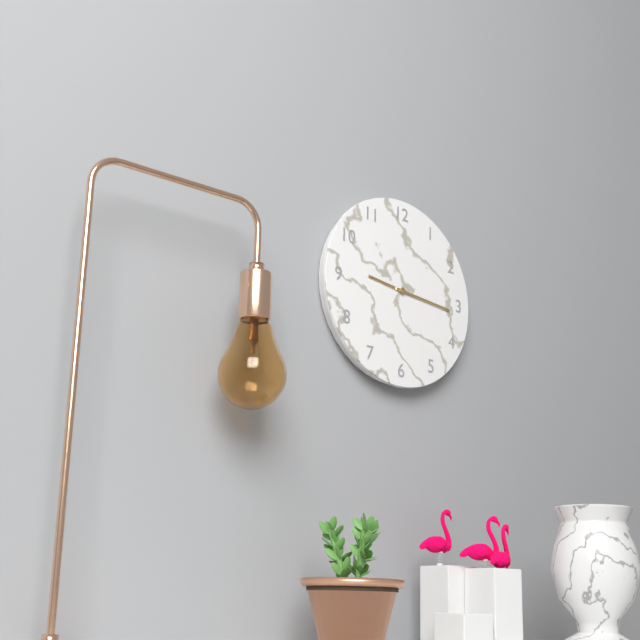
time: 9:16
